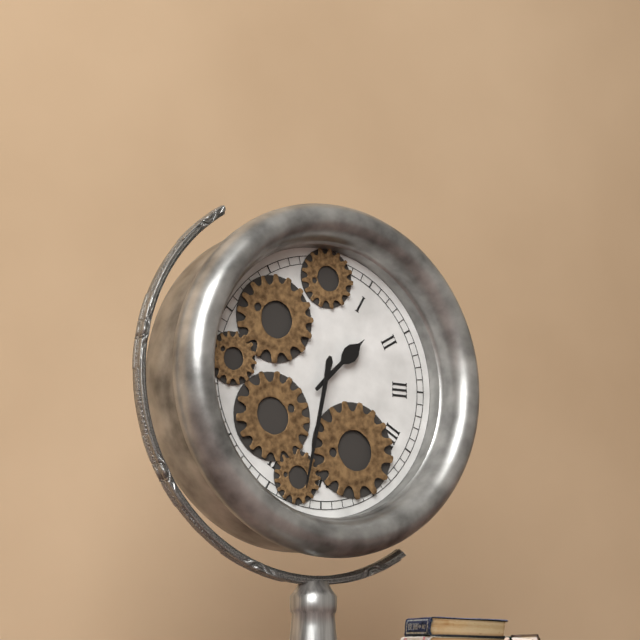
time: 1:32
